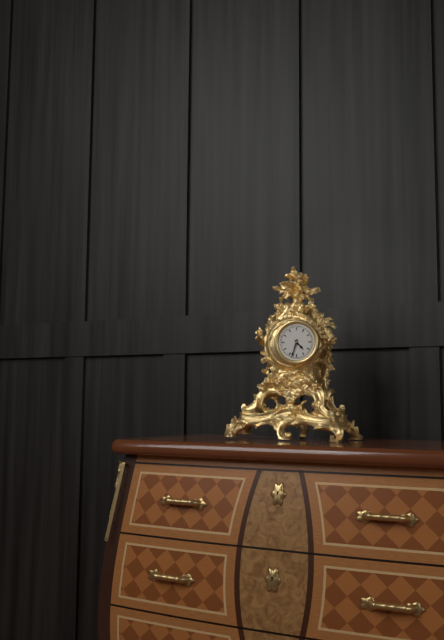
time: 4:33
